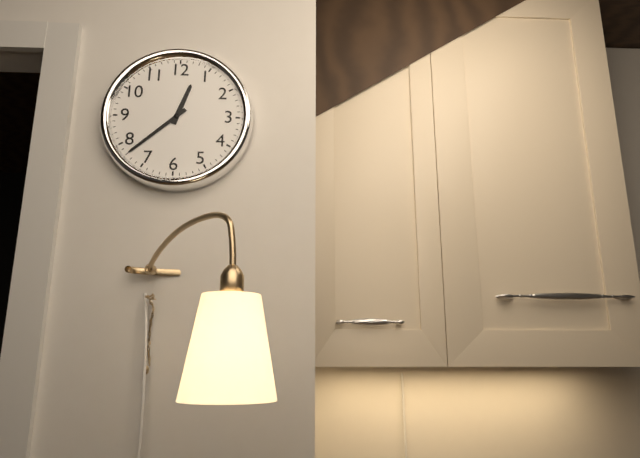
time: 12:38
